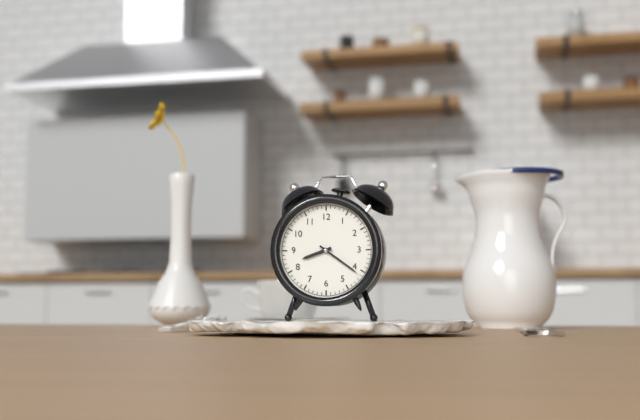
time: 8:21
